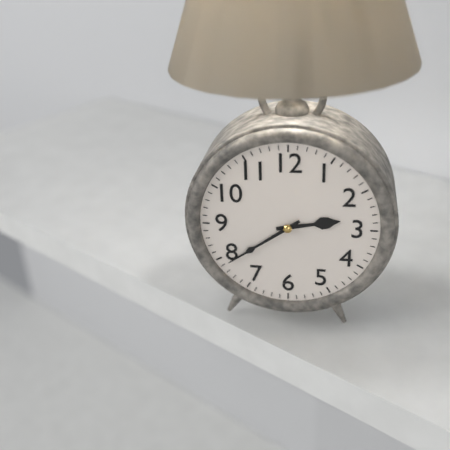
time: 2:39
